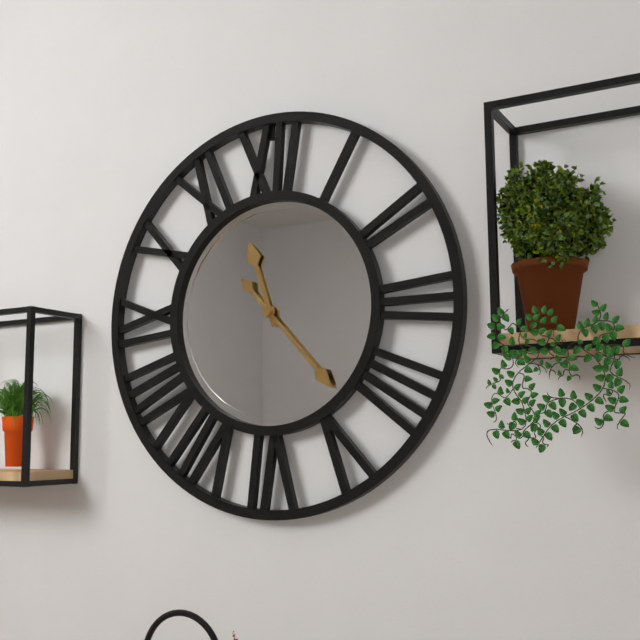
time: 11:23
